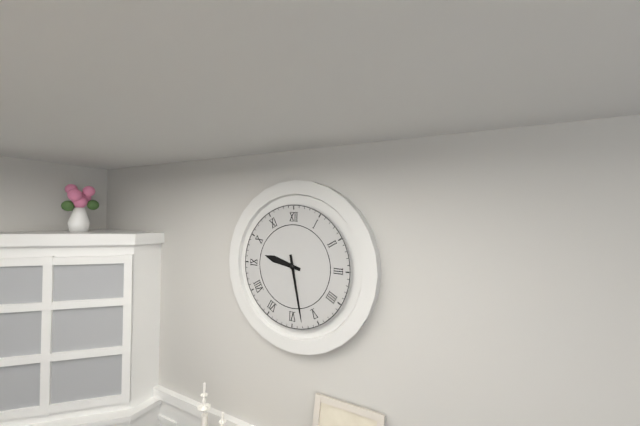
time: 9:28
